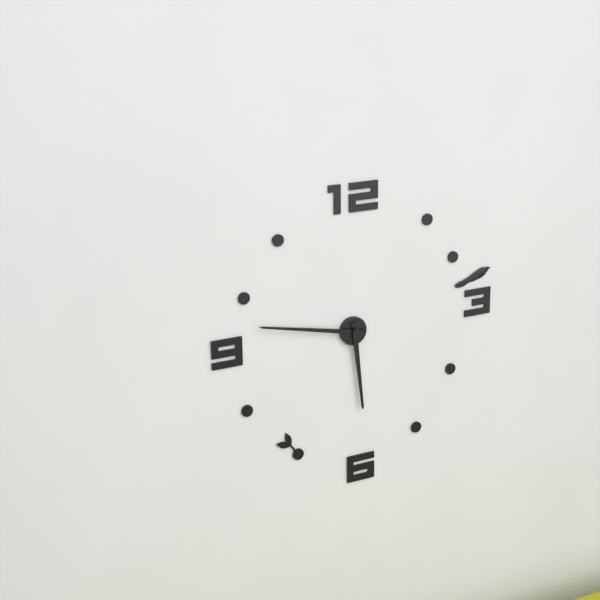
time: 5:47
